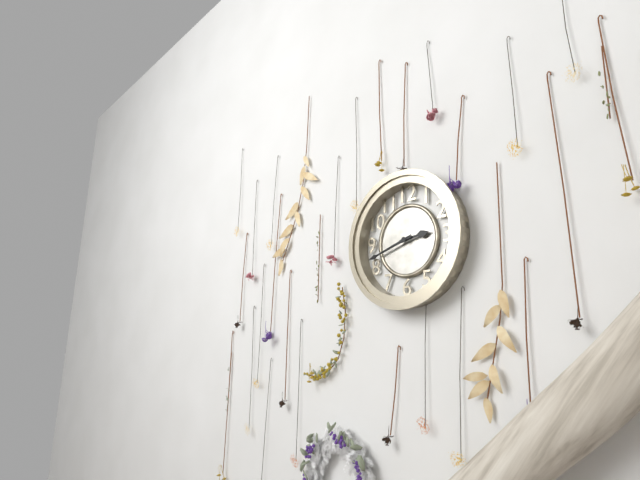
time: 2:42
